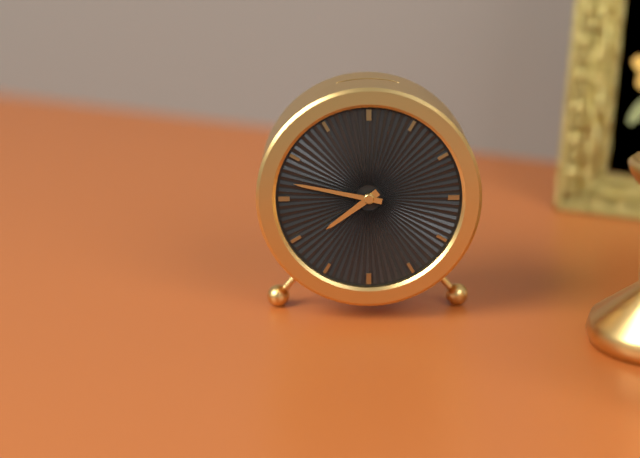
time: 7:47
